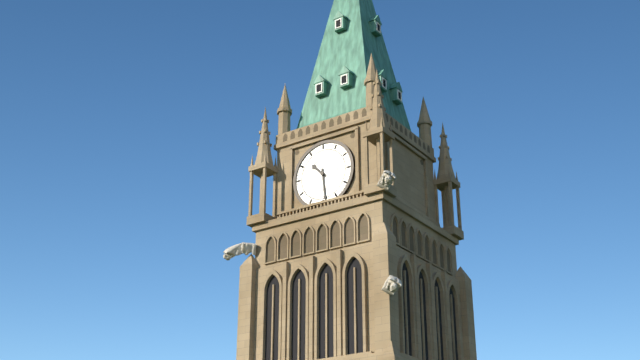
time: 10:29
